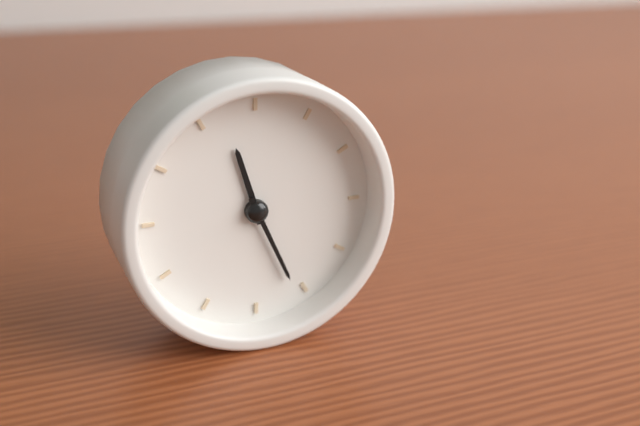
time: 11:26
